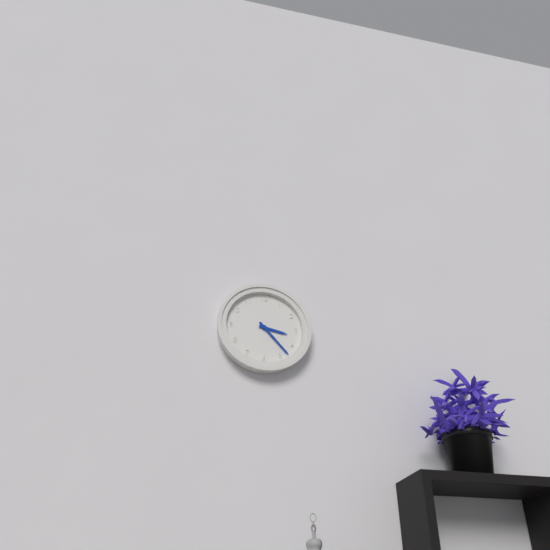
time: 3:23
